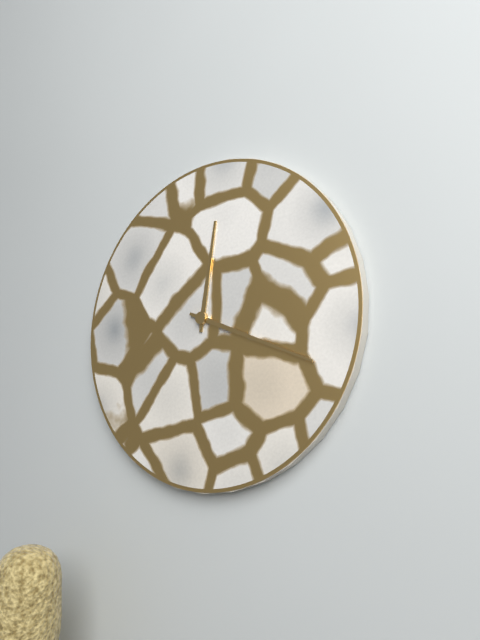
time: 12:19
